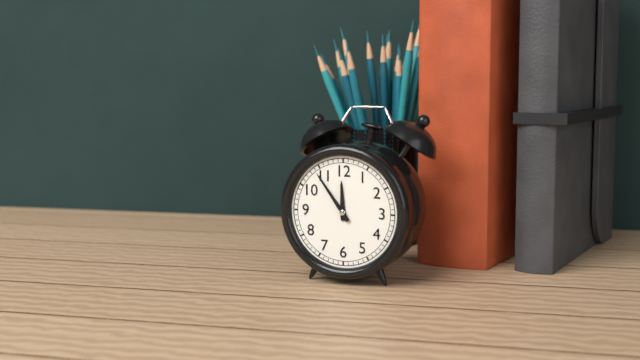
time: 11:54
